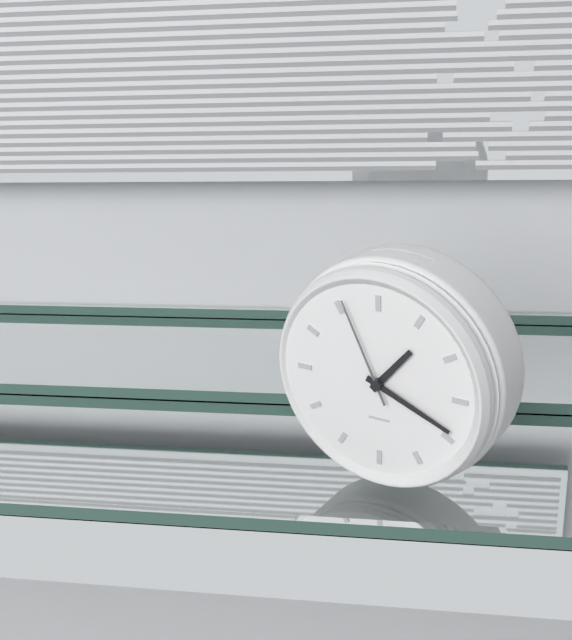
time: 1:19:56
